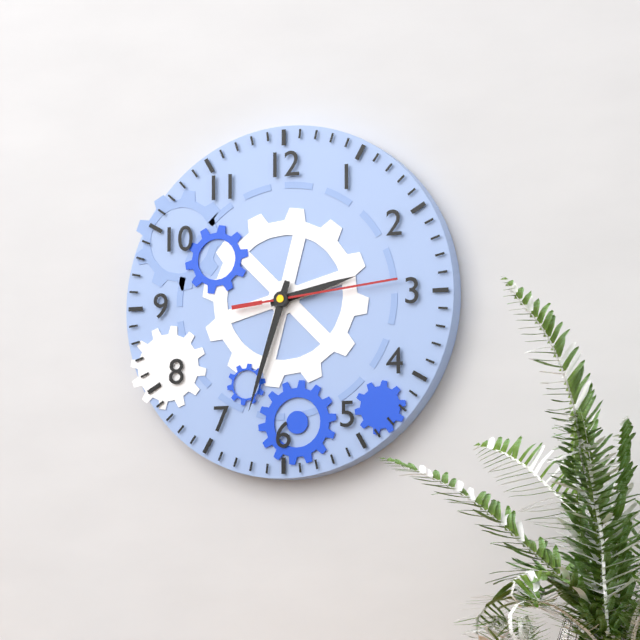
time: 2:33:14
